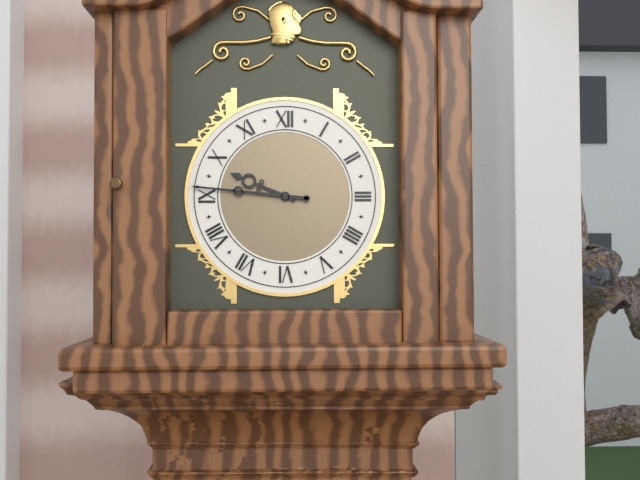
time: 9:46
